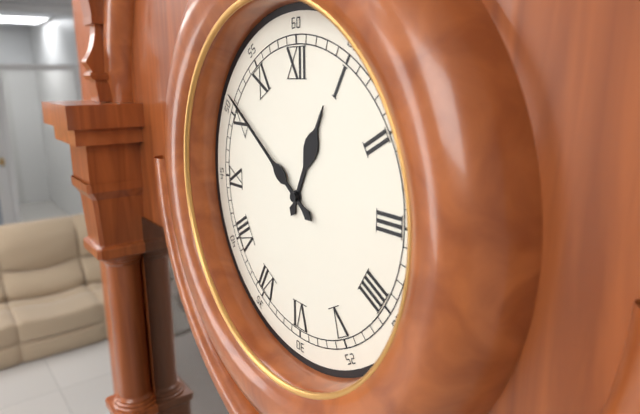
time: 12:51
